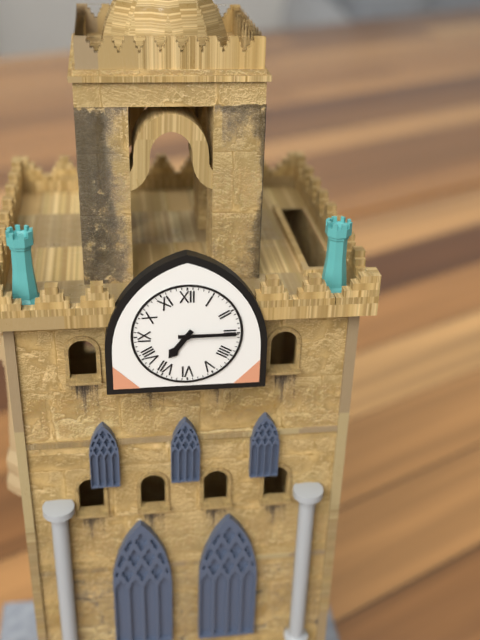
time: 7:15
